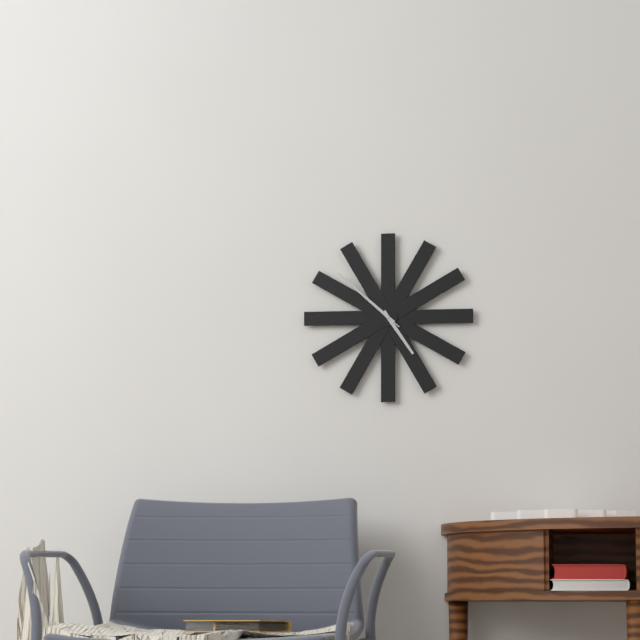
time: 4:52:52
